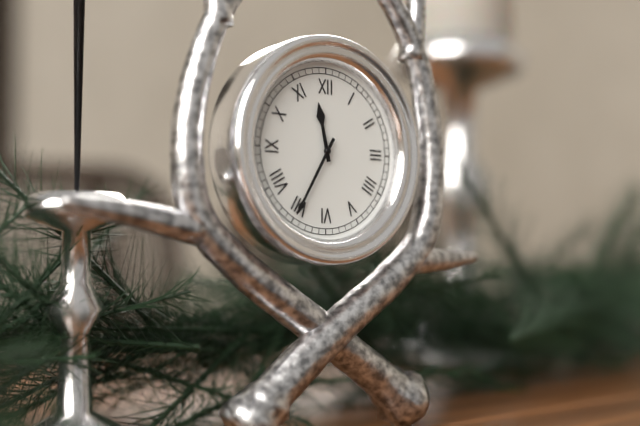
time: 11:35
